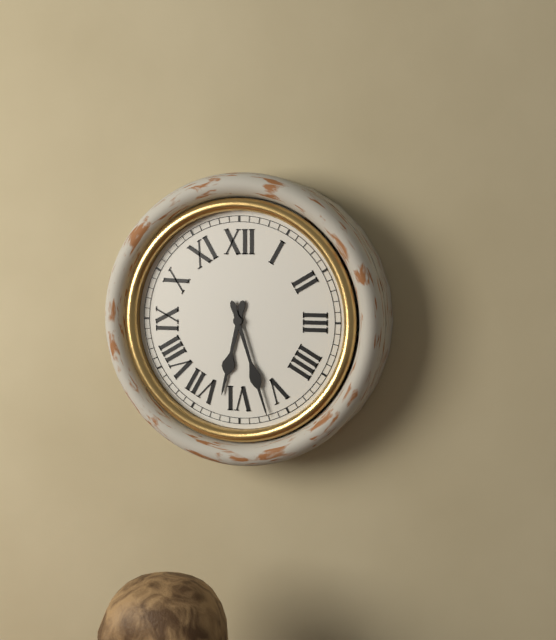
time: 6:27
